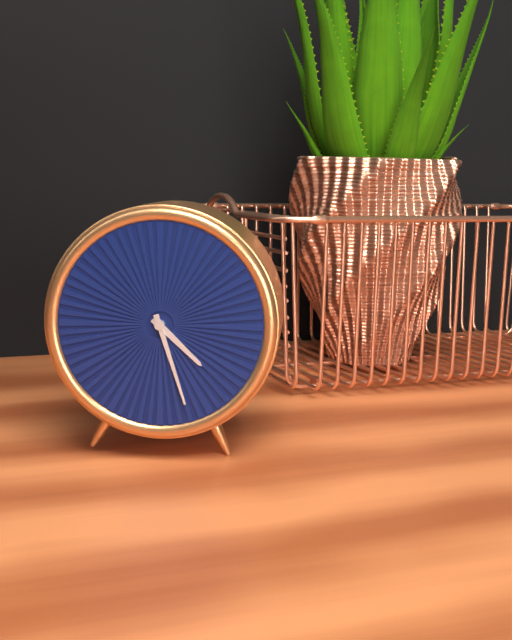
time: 4:27
